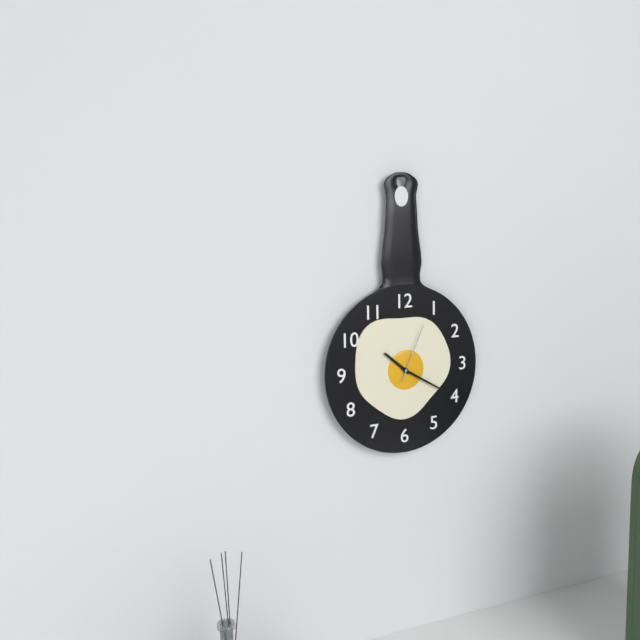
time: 10:20:04
